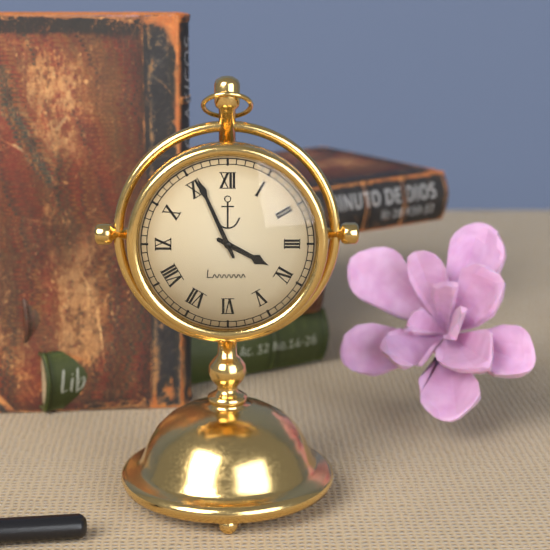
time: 3:56
